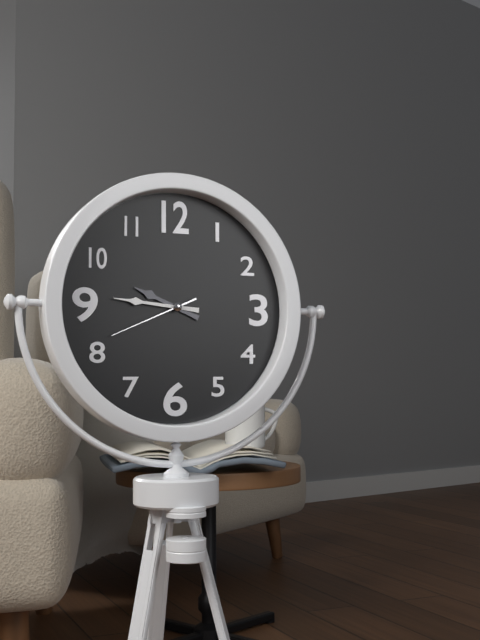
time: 9:46:41
